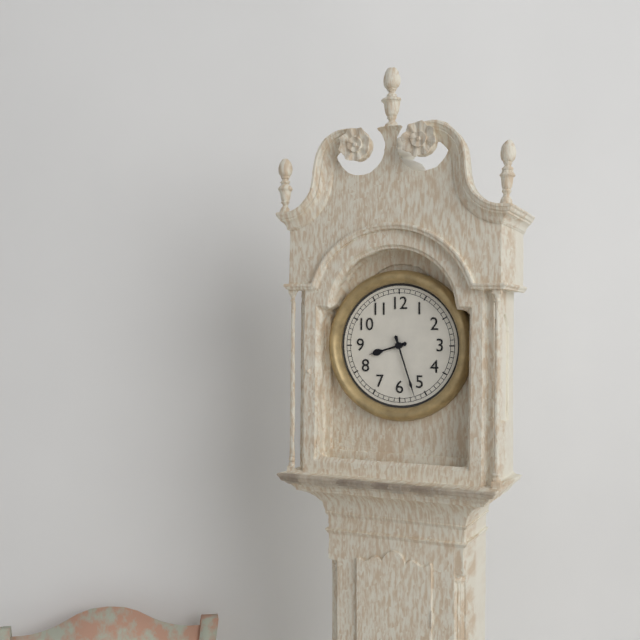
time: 8:27
